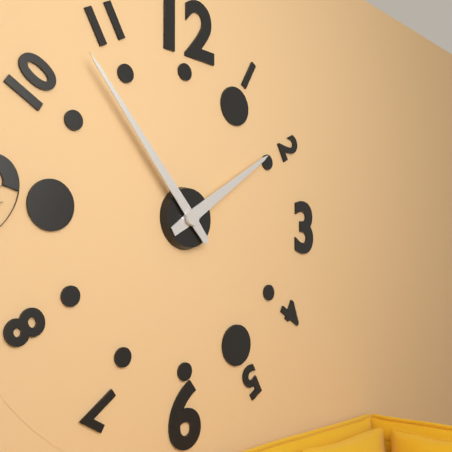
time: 1:53
